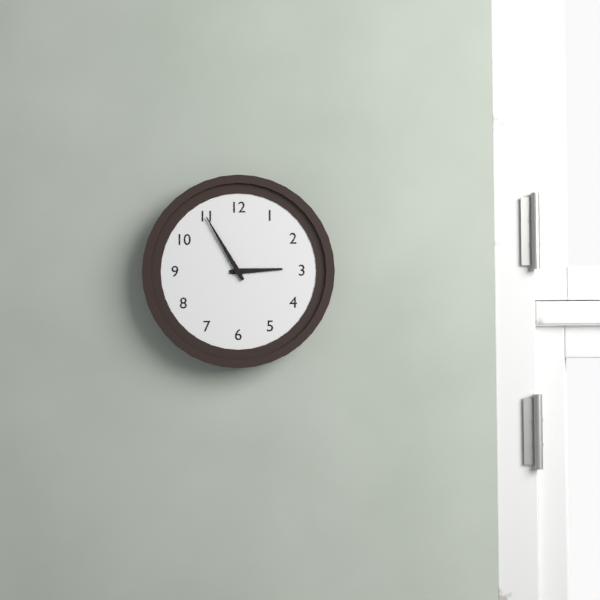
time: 2:55
